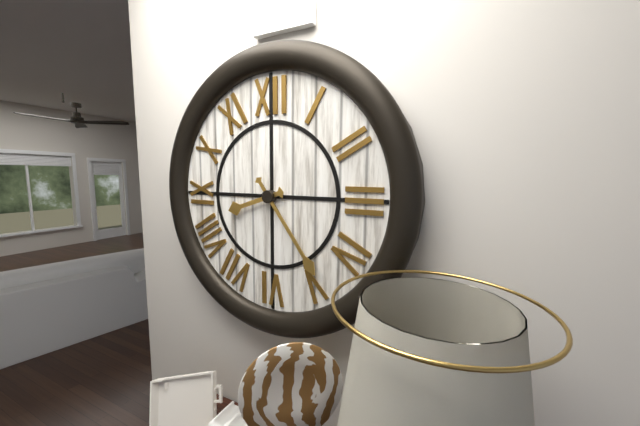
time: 8:24
